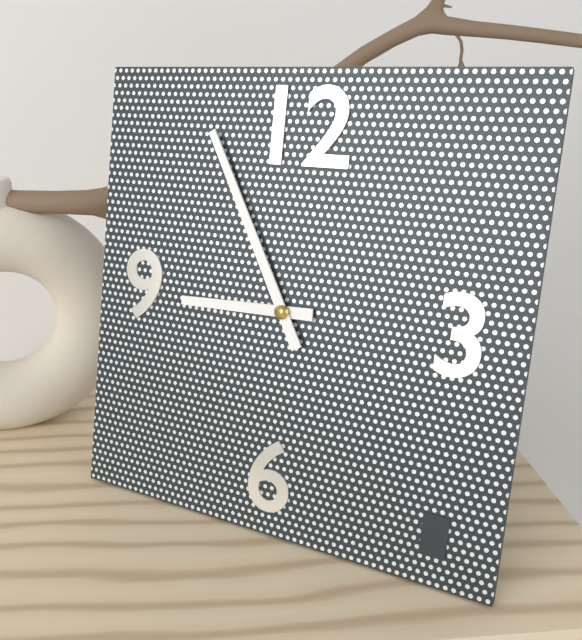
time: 8:55
